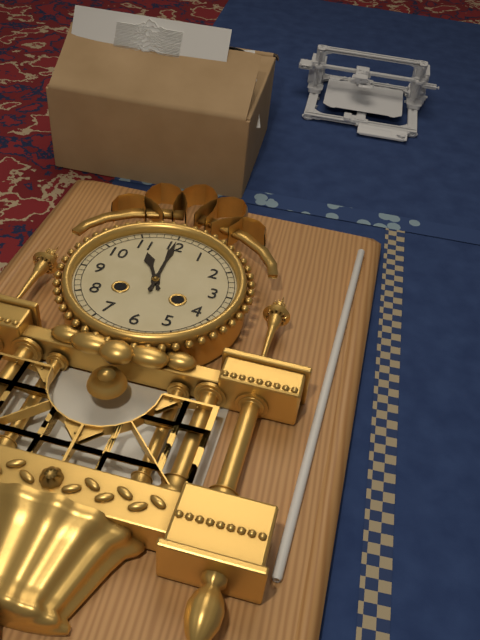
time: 11:00
